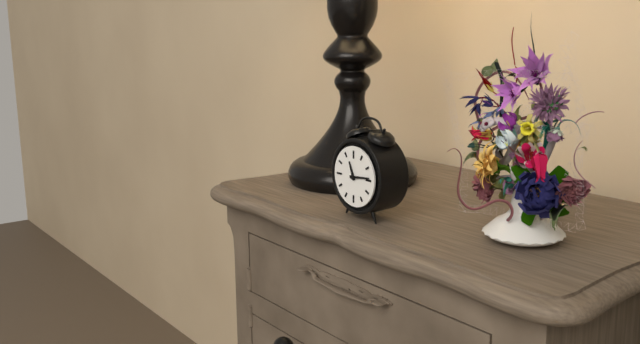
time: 11:14
